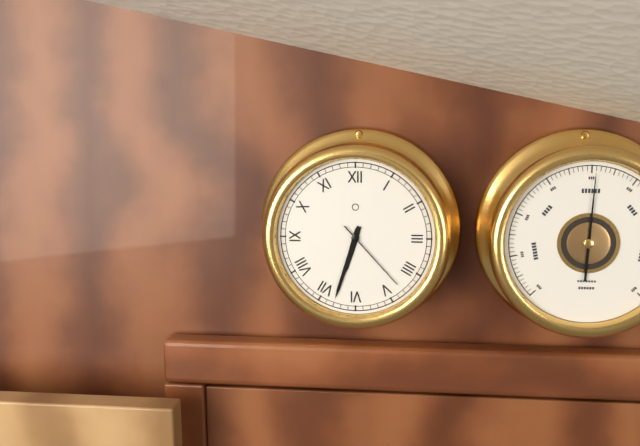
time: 6:33:23
